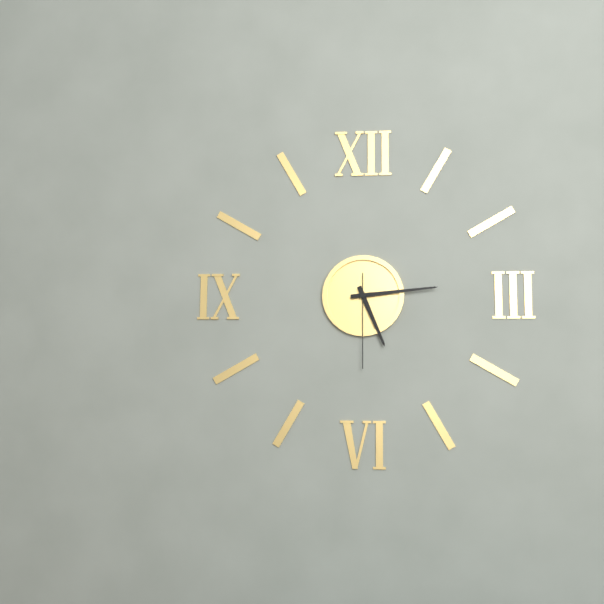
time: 5:14:30
